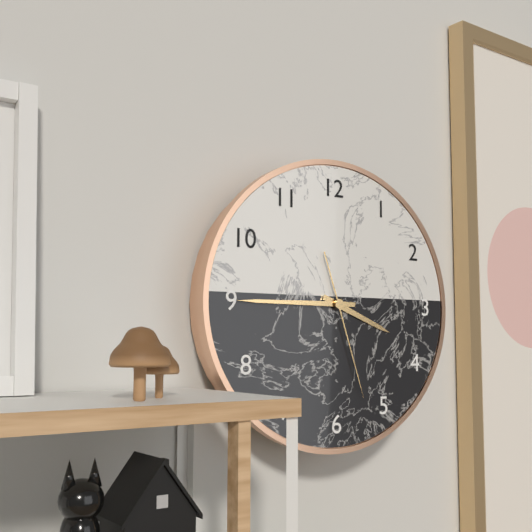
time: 3:45:27
